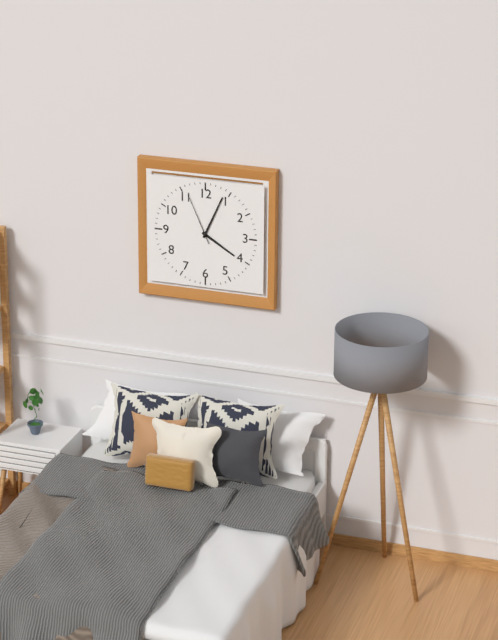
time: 4:04:56
